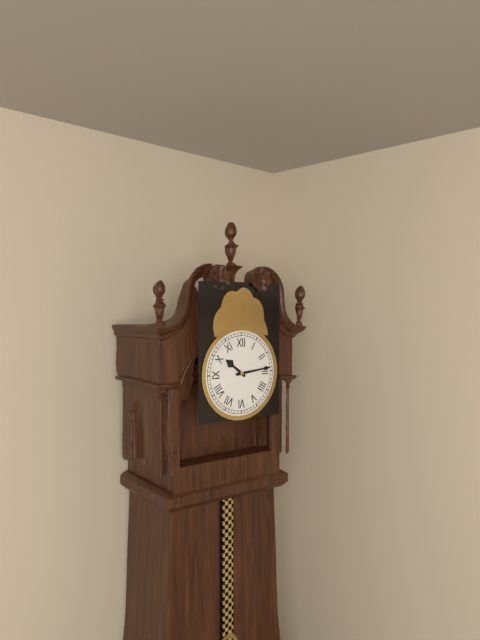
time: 10:14
